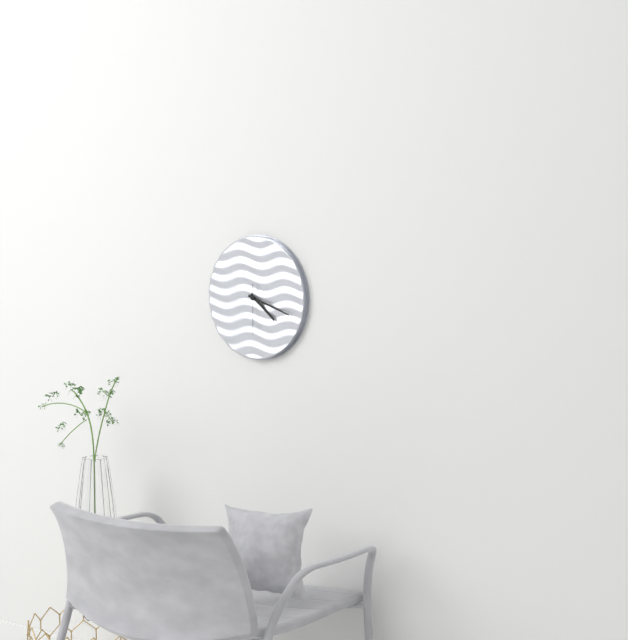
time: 4:18
